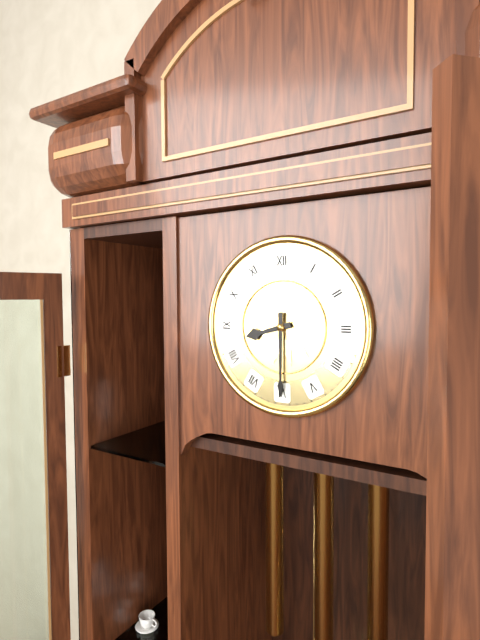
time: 8:30
